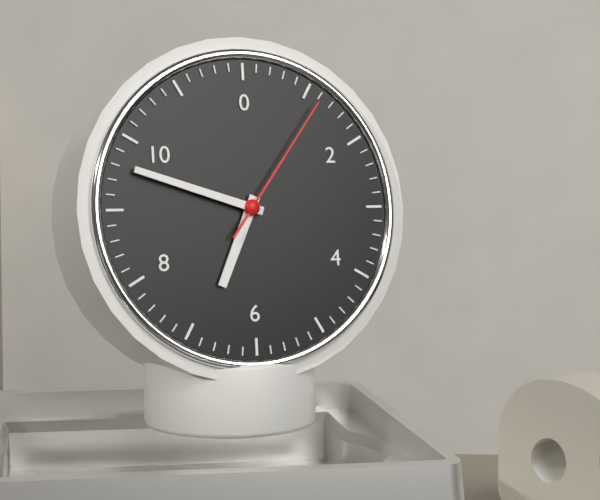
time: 6:48:06
